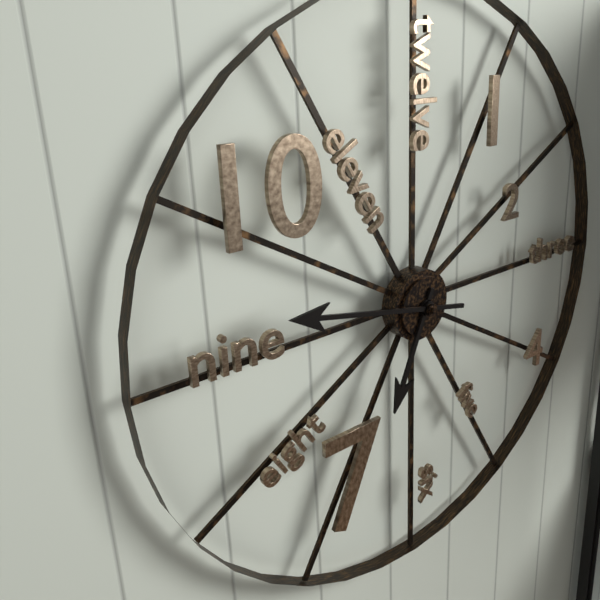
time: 6:47
